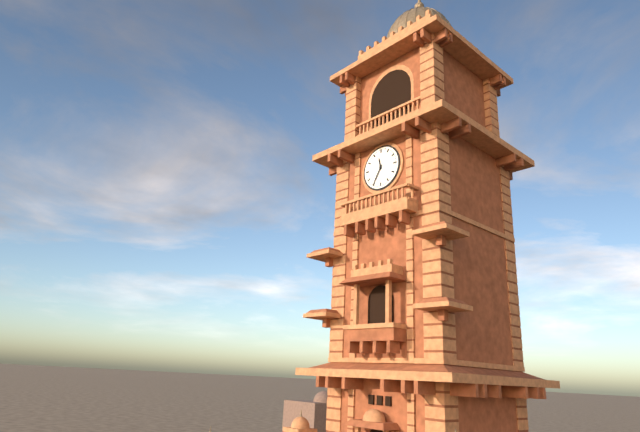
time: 11:35
